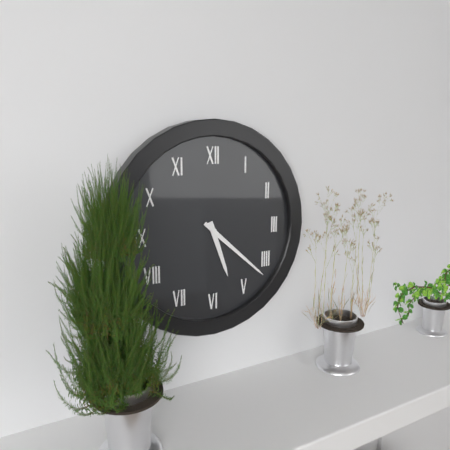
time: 5:22
